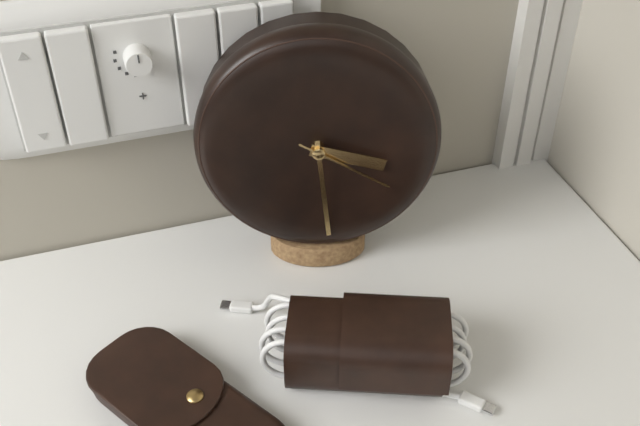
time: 3:29:20
